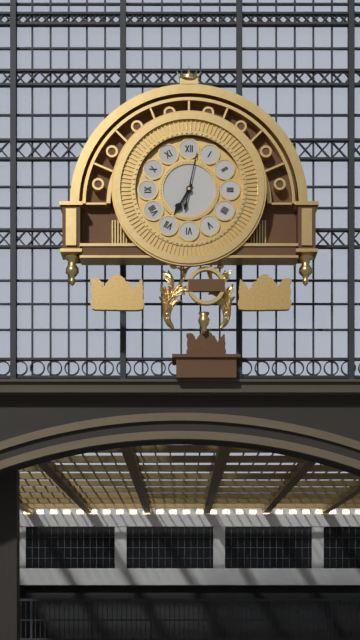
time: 7:02
